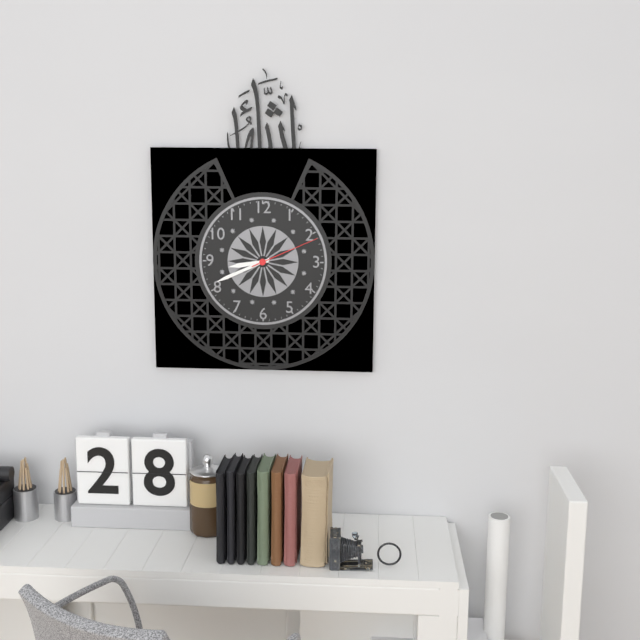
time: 8:41:11
